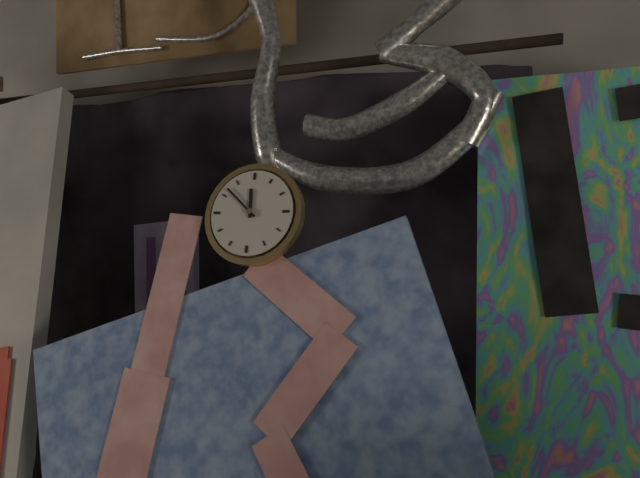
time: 11:52
